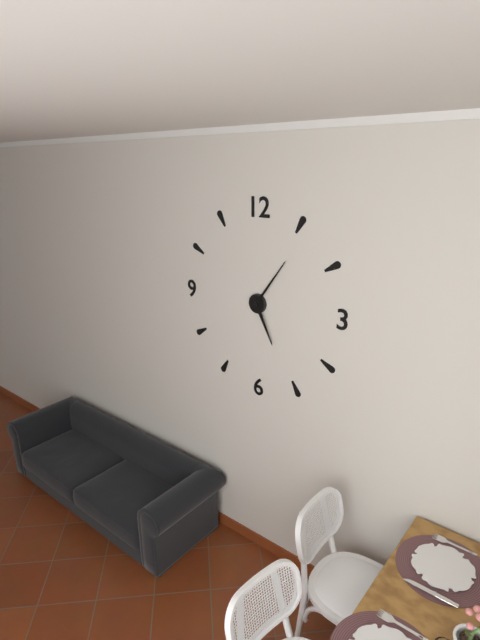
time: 5:06
